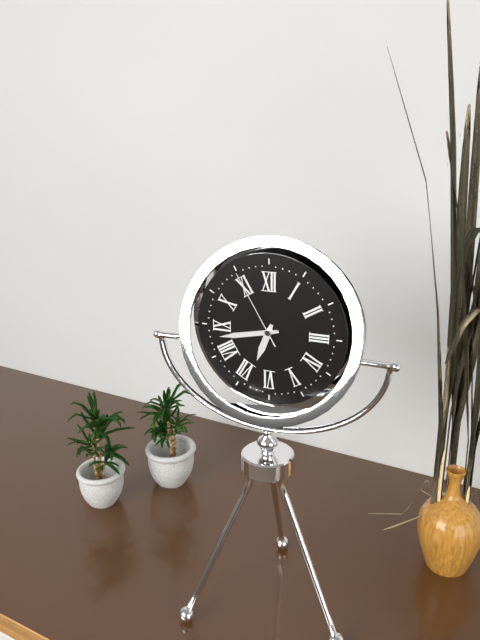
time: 6:43:55
